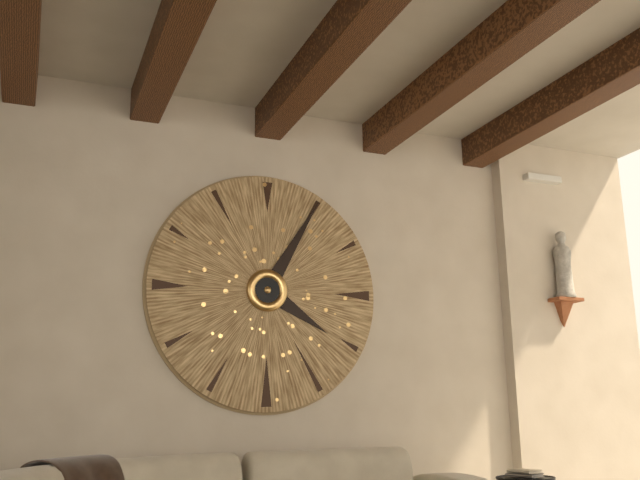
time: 4:05
